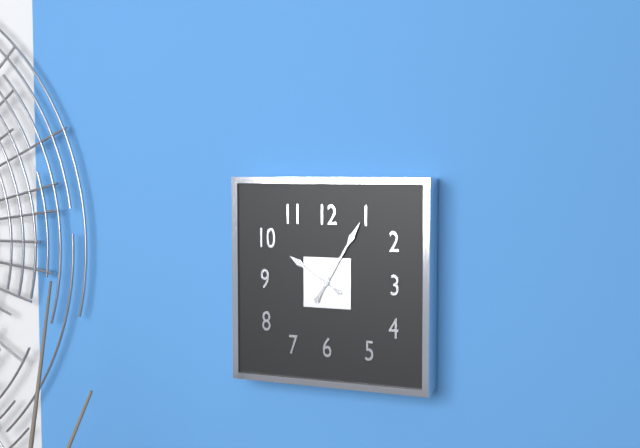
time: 10:05
